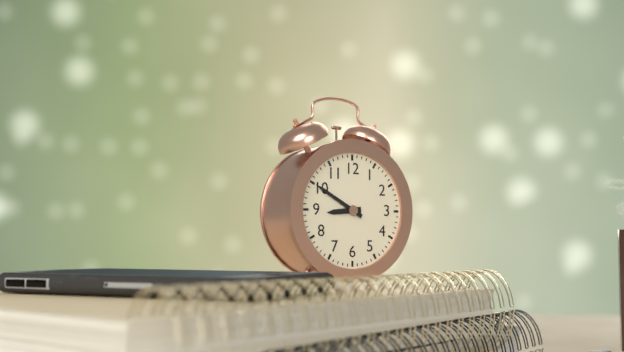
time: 8:50
